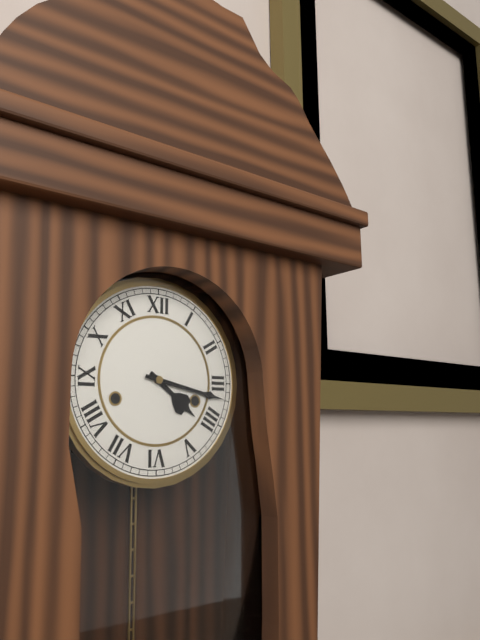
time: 4:17
